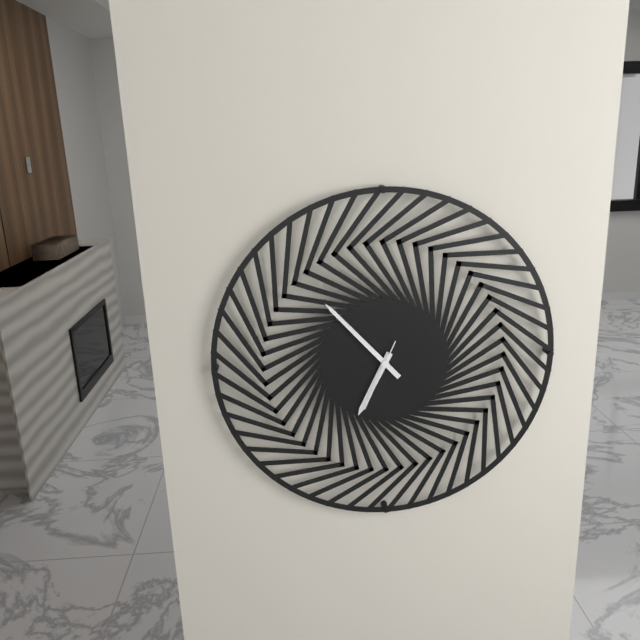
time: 6:53:34
